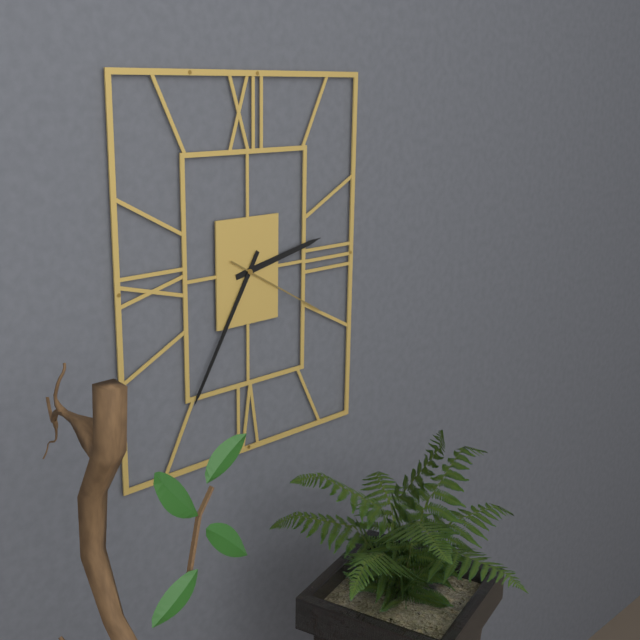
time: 2:35:20
